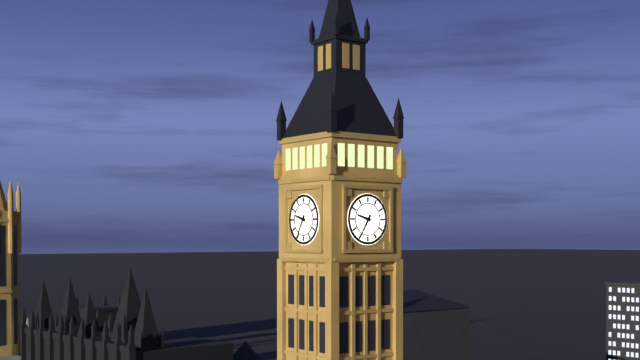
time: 9:35
